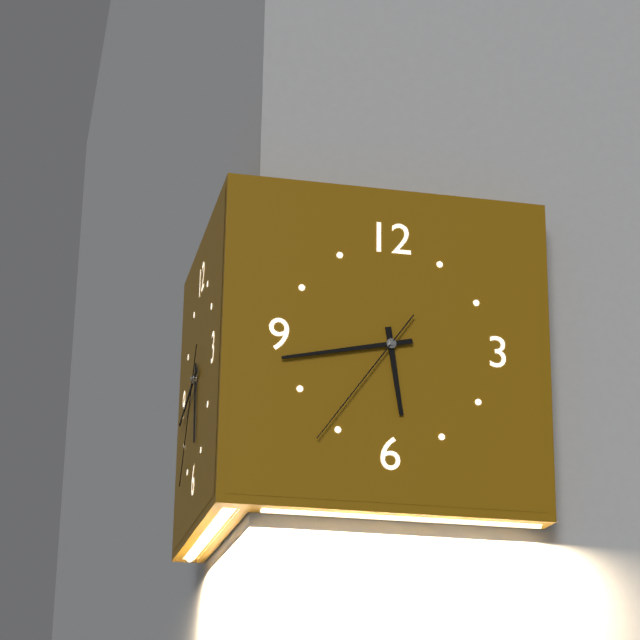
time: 5:43:36
